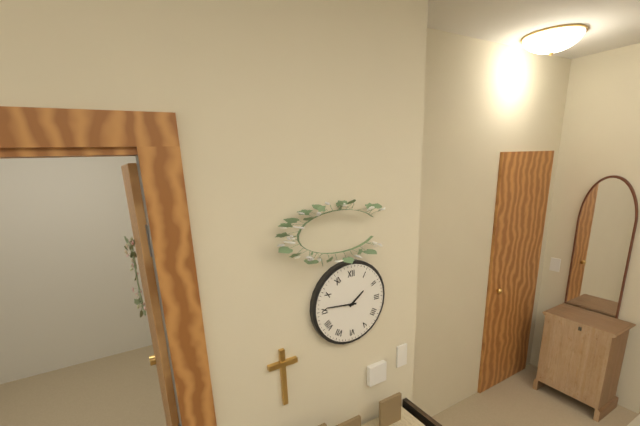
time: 1:46
